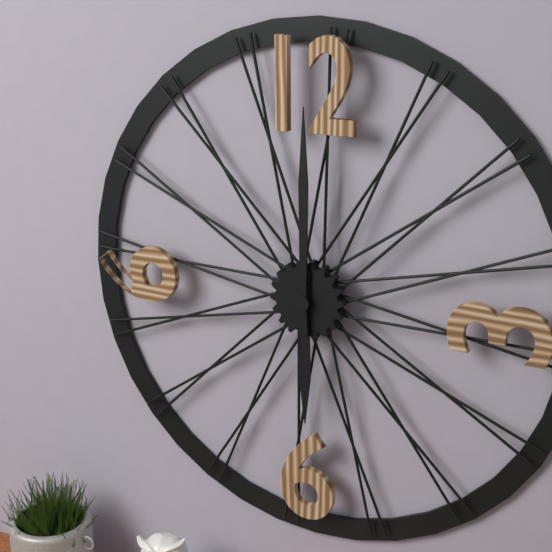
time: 6:00
